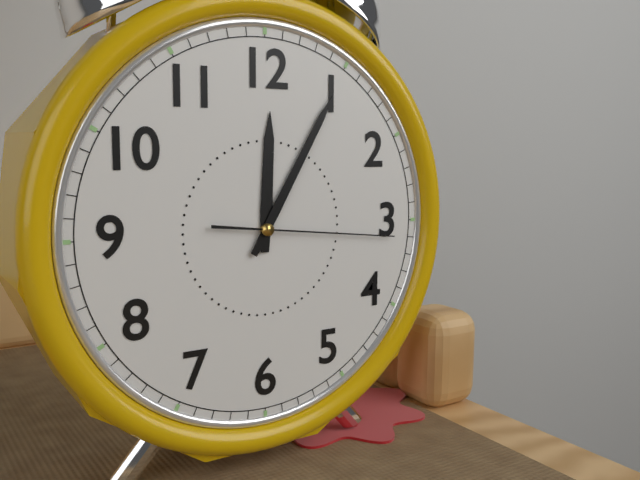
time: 12:05:16
